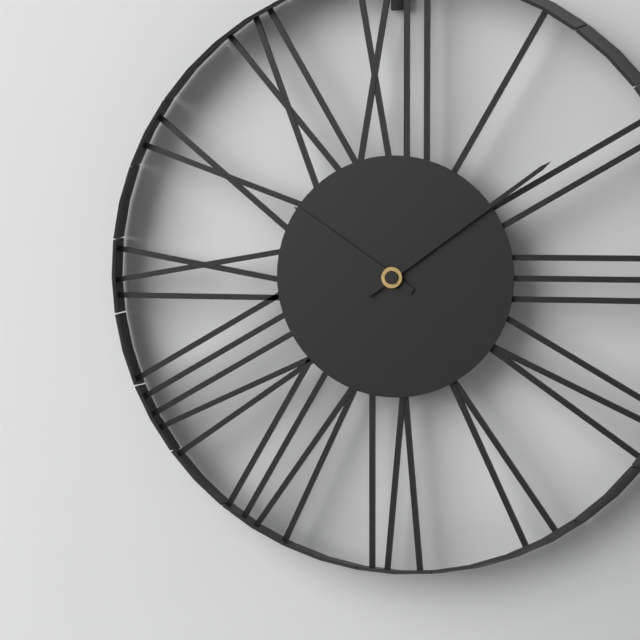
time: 10:09
